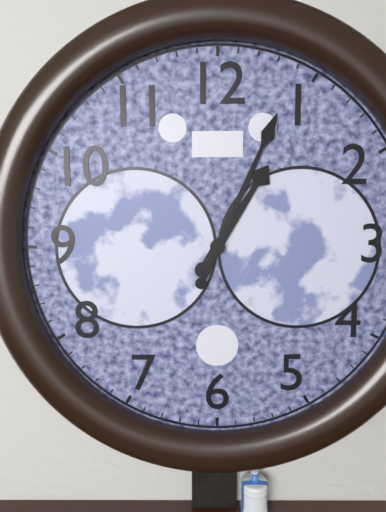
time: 1:04
